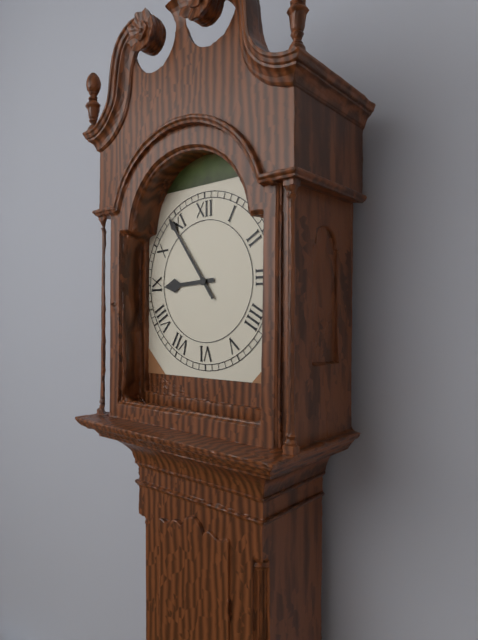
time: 8:54
